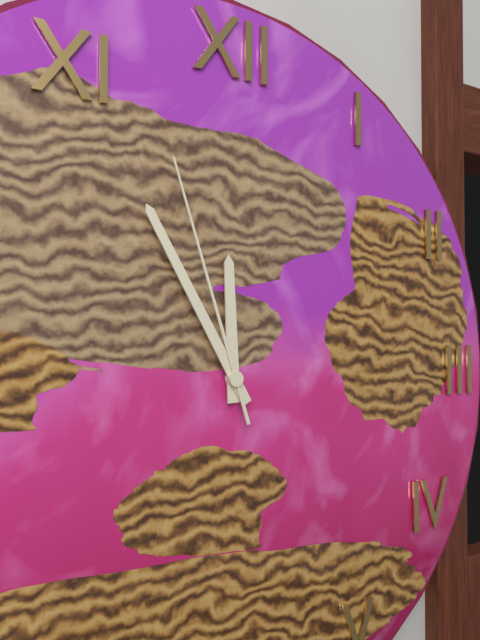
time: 11:55:57
